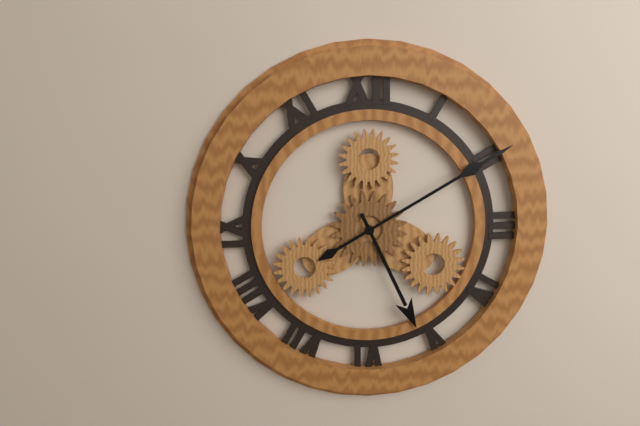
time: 5:10
